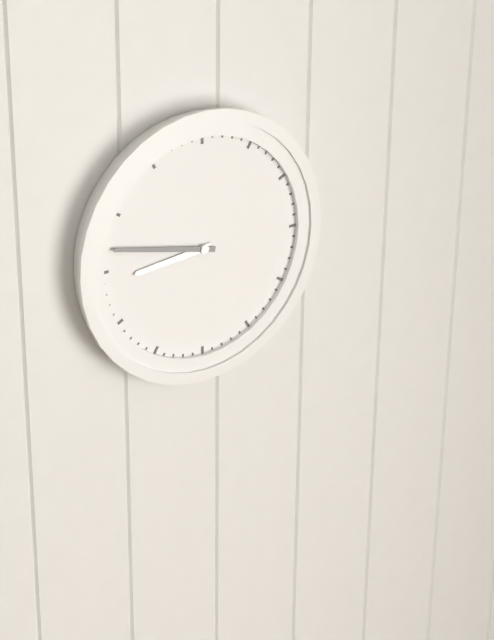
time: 8:47
